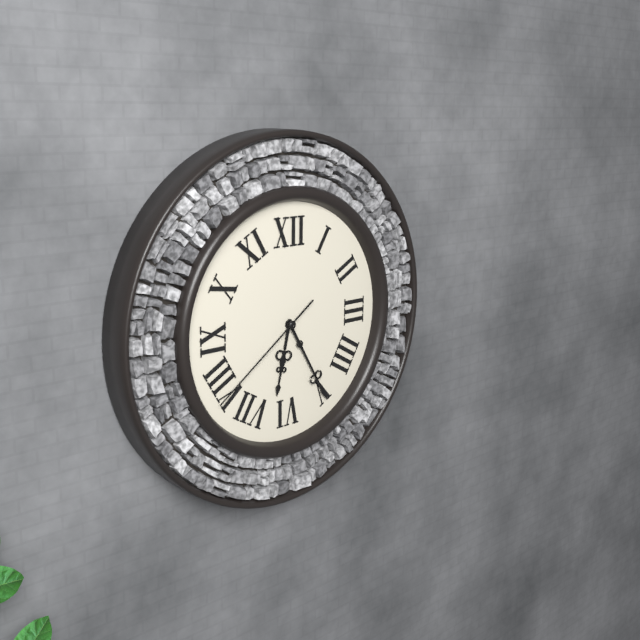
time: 6:25:39
